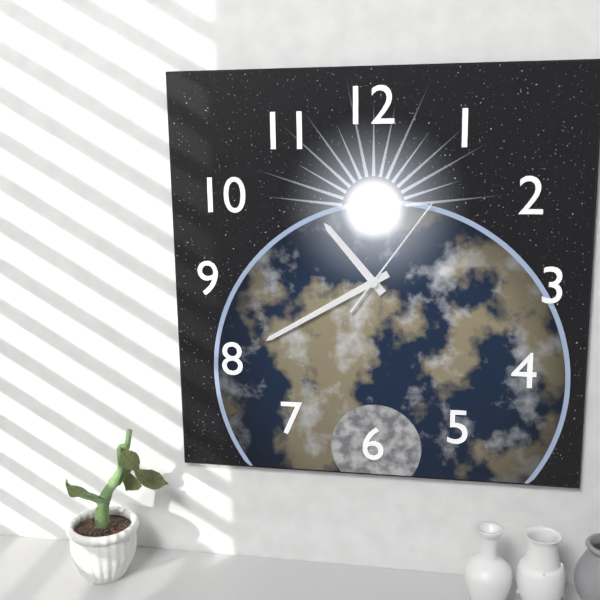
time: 10:40:06
